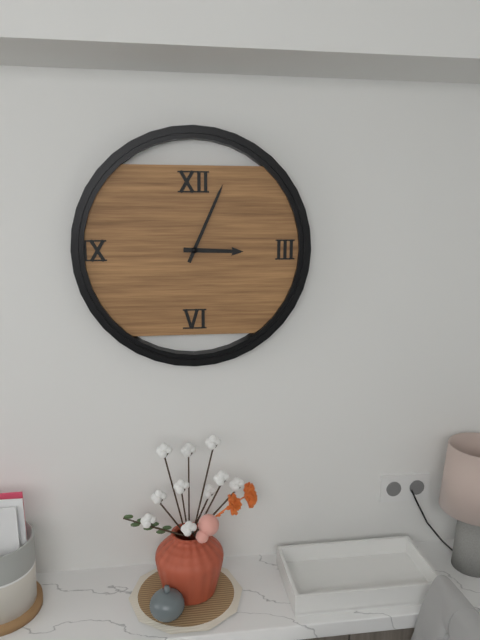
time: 3:04
